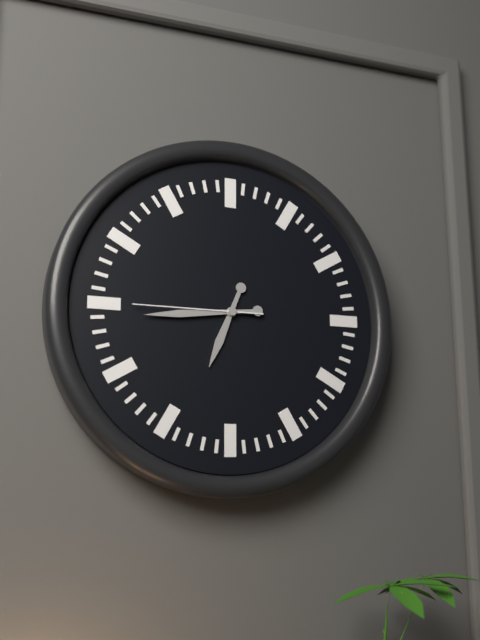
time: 6:44:45
